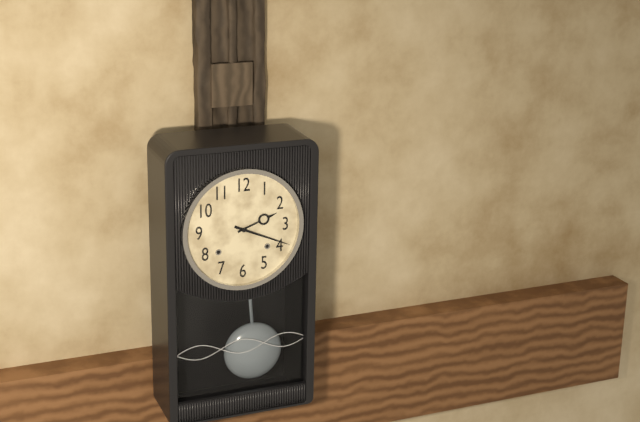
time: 2:19
